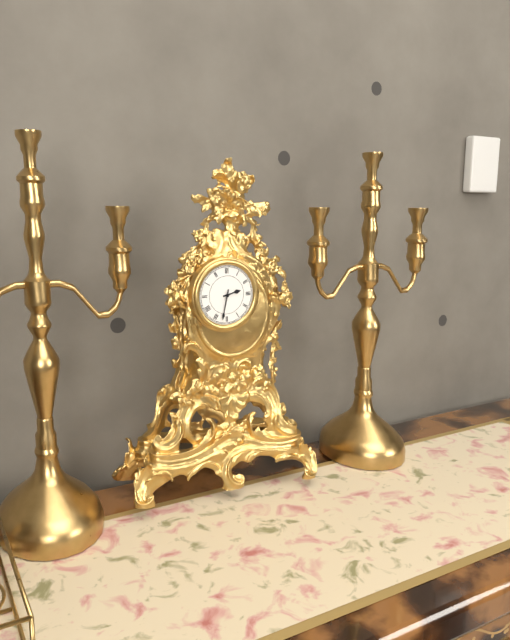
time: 2:32
